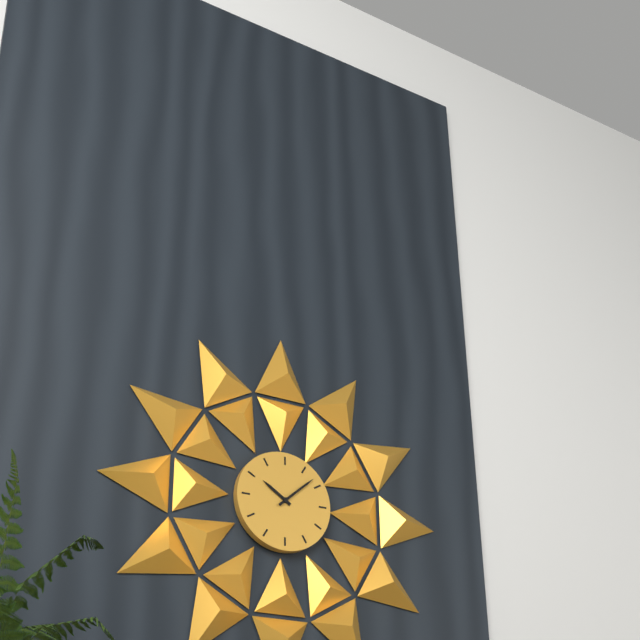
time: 10:08
